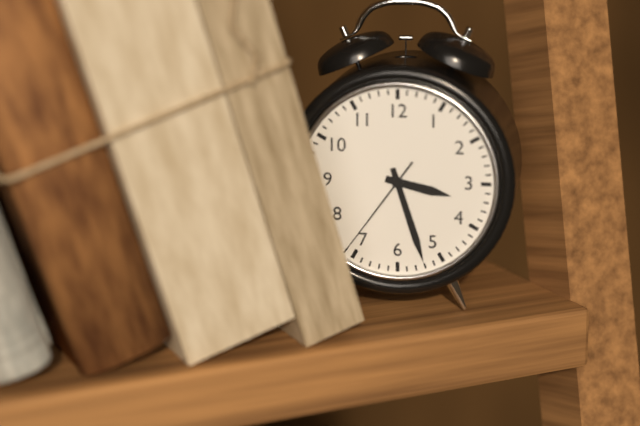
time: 3:27:36
